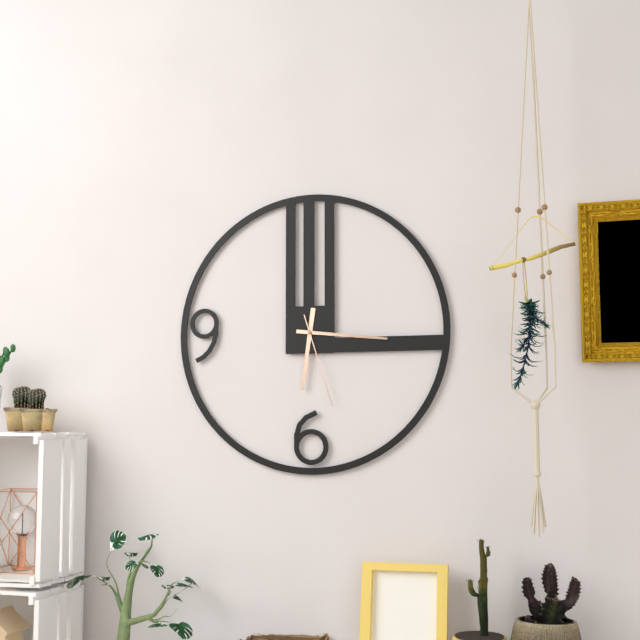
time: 6:16:27
